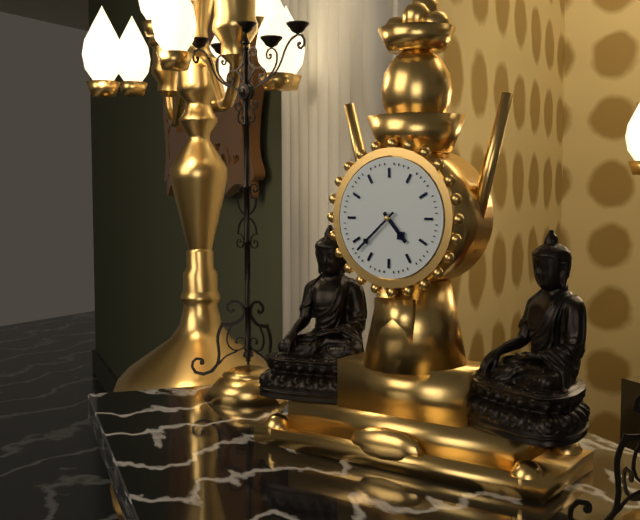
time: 4:38
